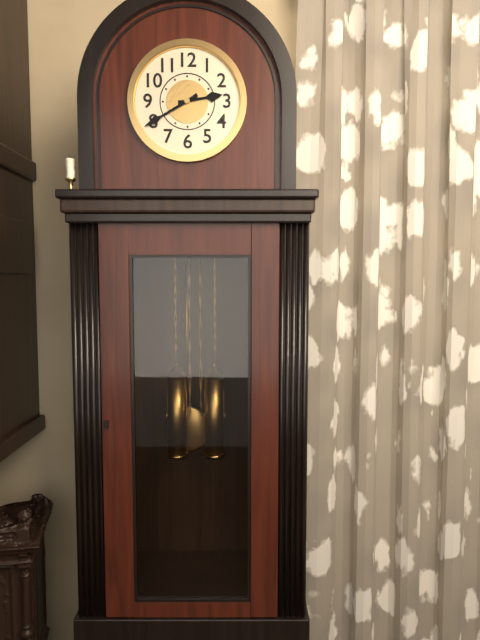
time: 2:40
